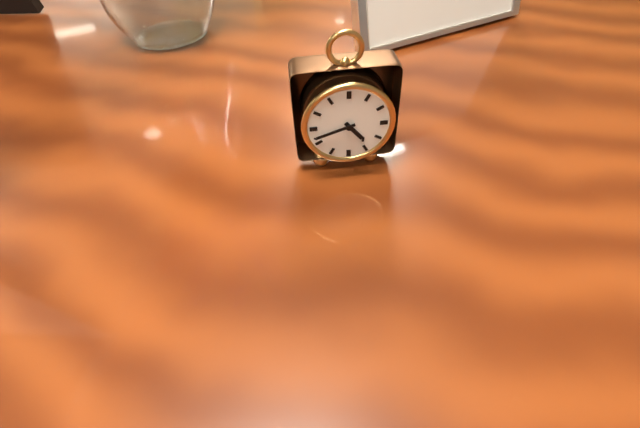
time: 4:42
